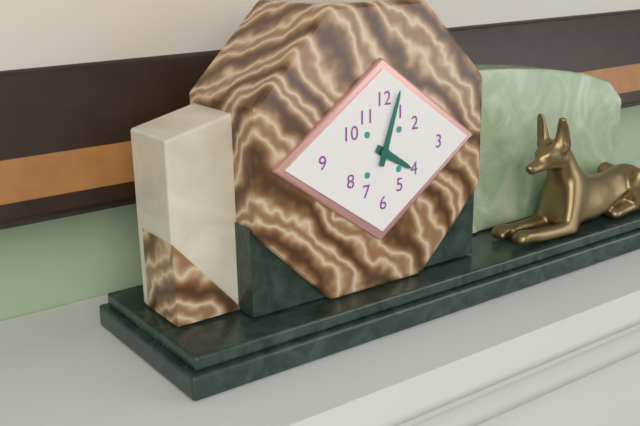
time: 4:03
